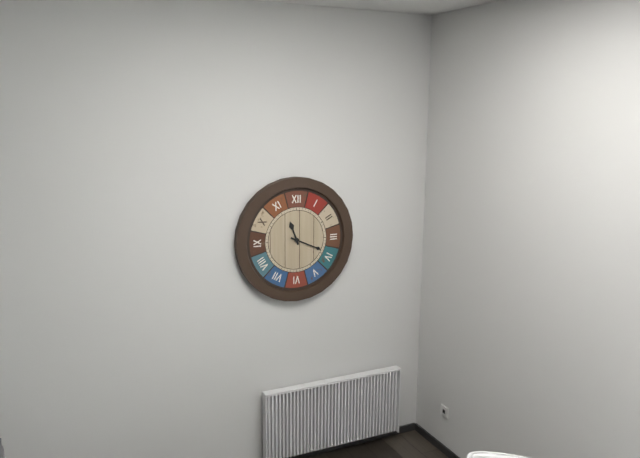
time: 11:19
